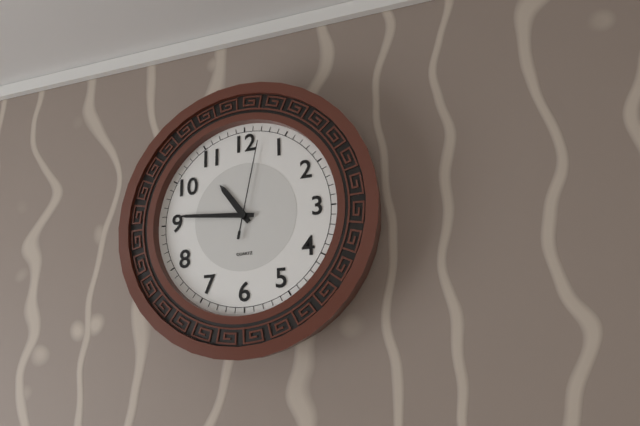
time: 10:46:02
